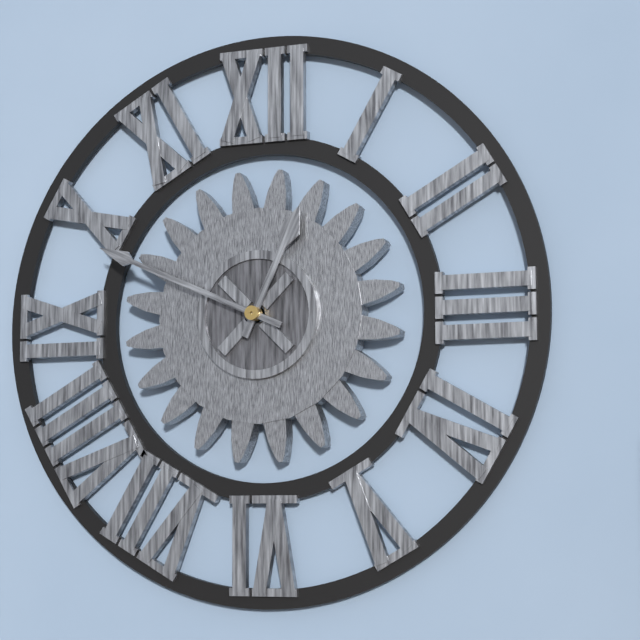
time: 12:49
